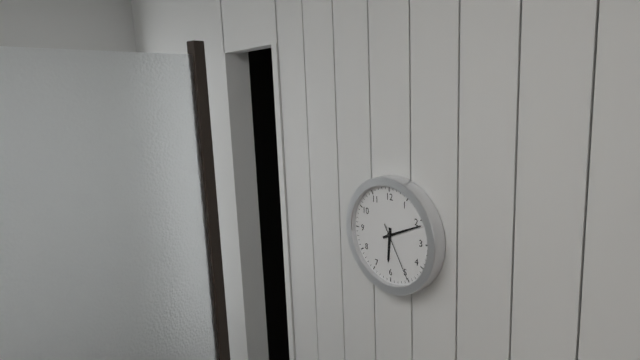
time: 6:11:25
